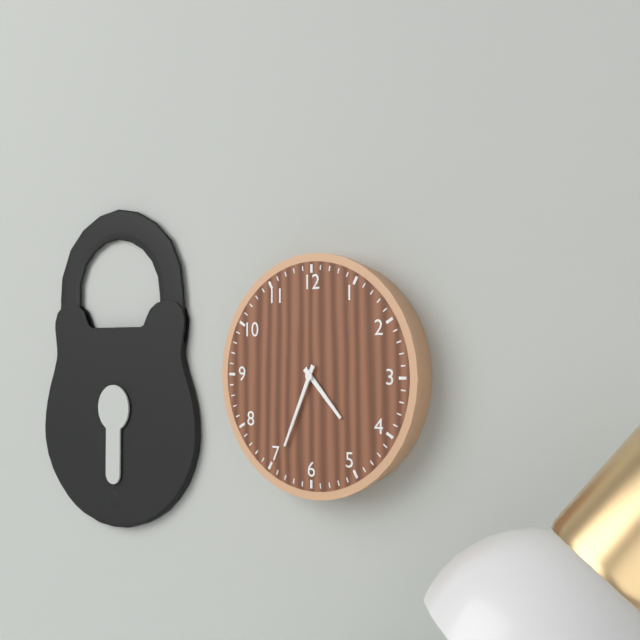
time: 4:34
